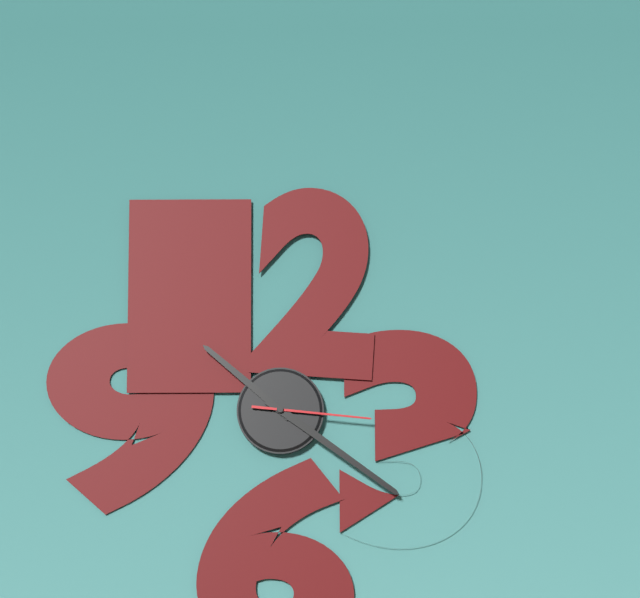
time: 10:21:16
